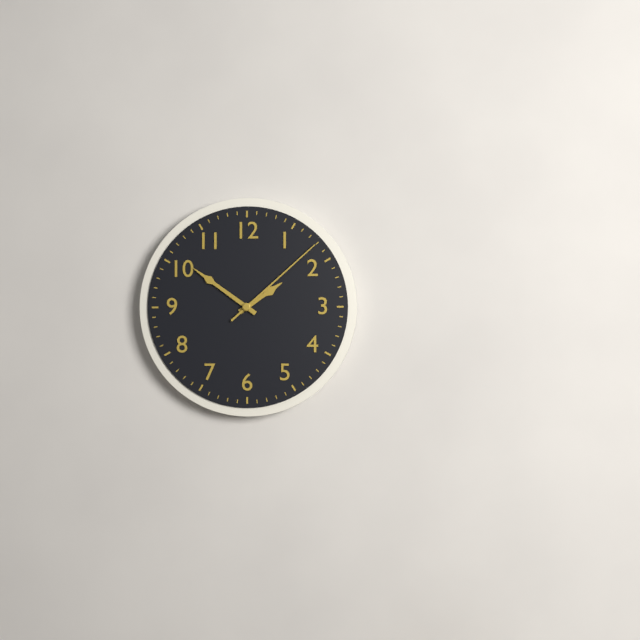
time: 1:51:08
